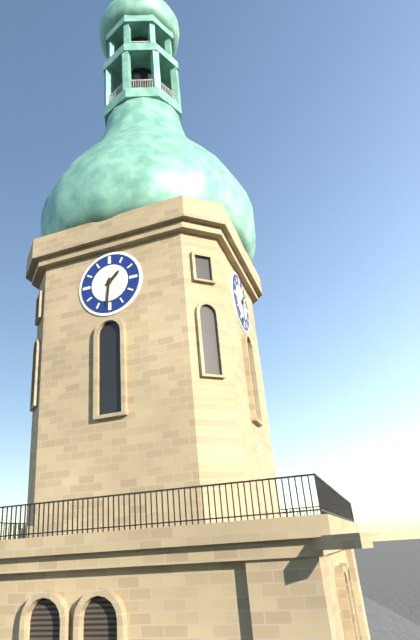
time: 1:31
